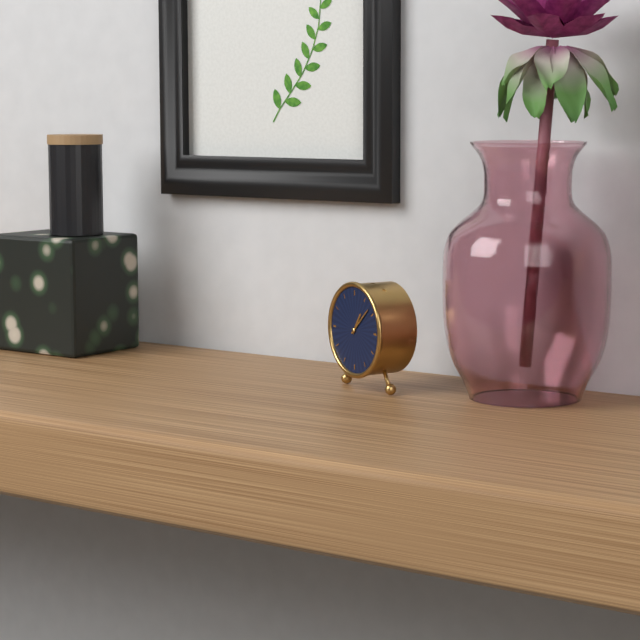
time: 1:08
